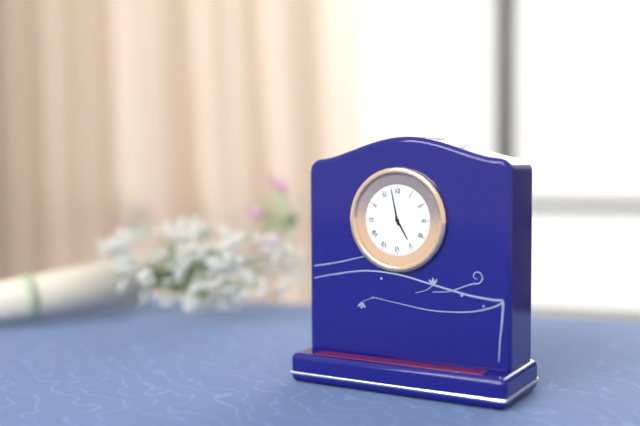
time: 4:58
